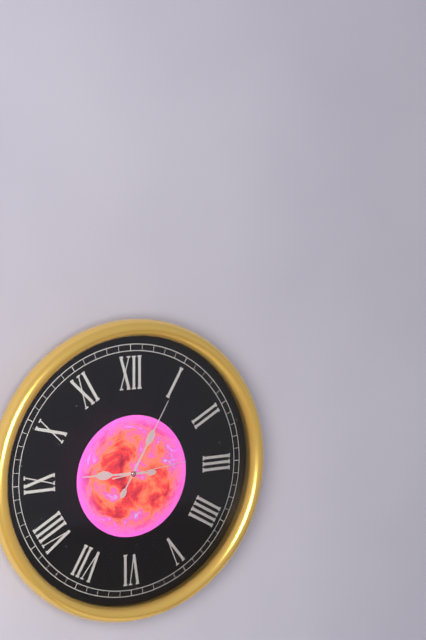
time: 9:05:14
